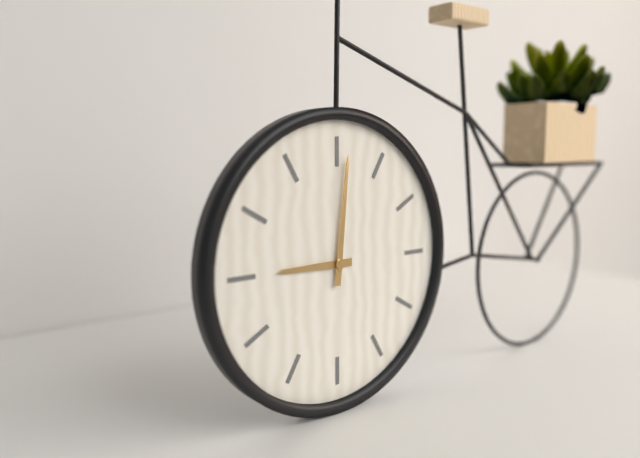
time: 9:01
